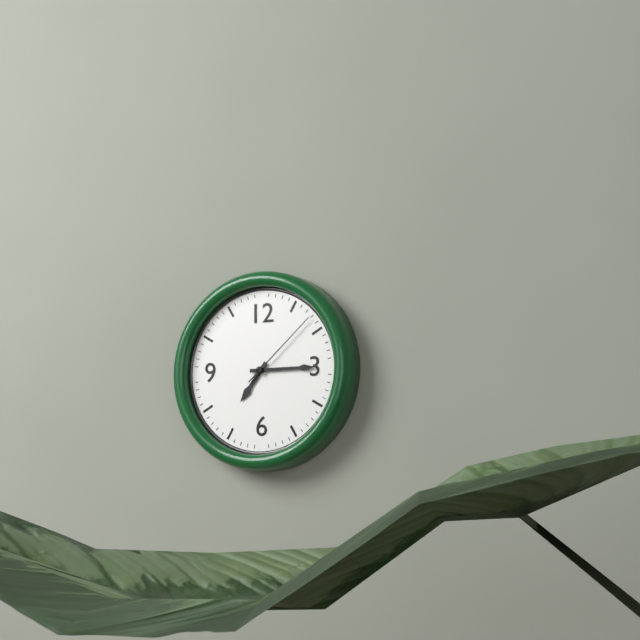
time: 7:15:08
